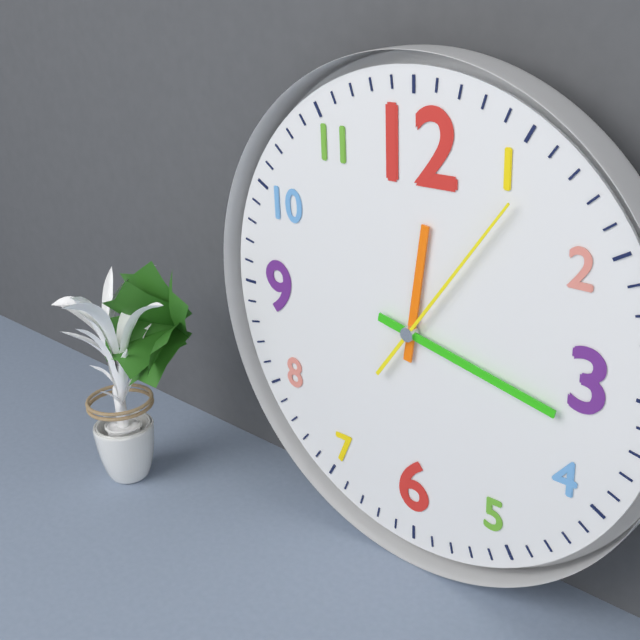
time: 12:17:06
